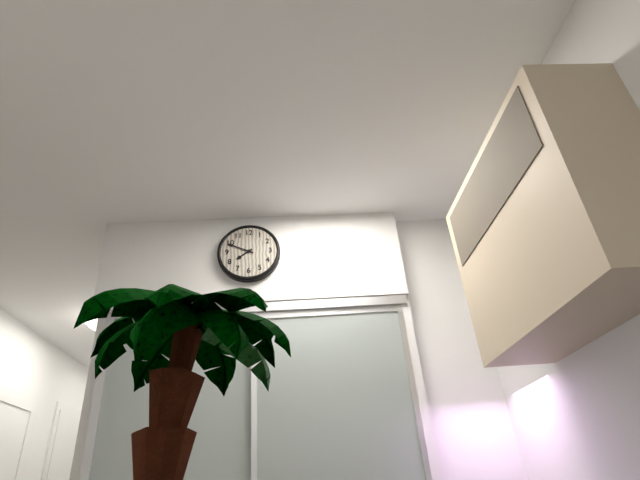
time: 7:49
